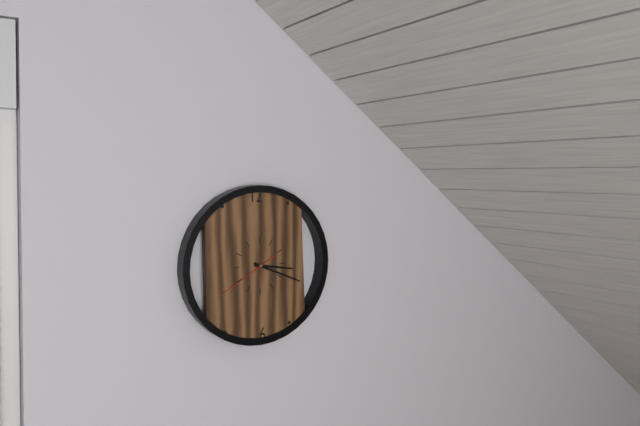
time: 3:19:40
